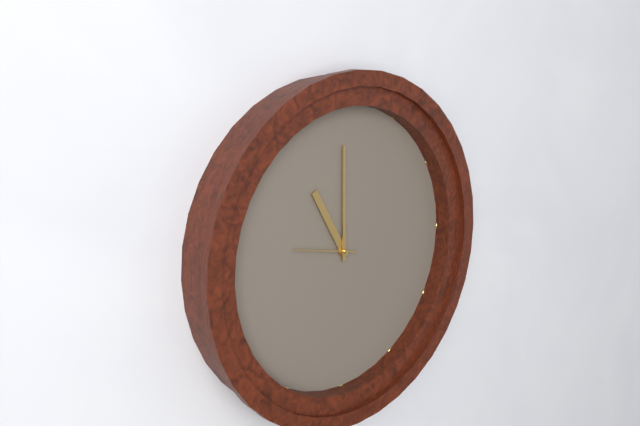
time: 11:00:47
